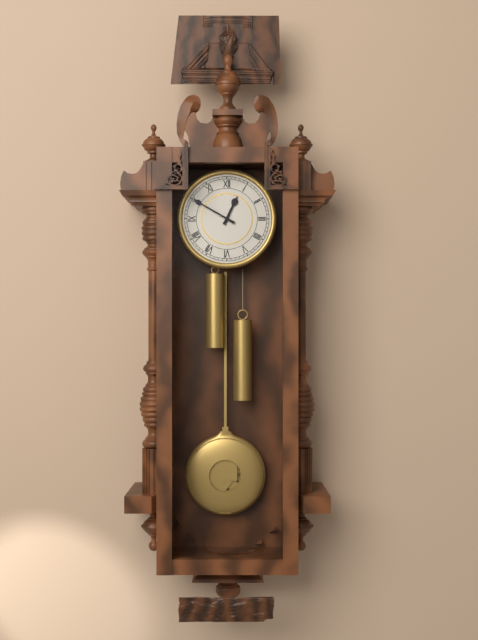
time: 12:50
